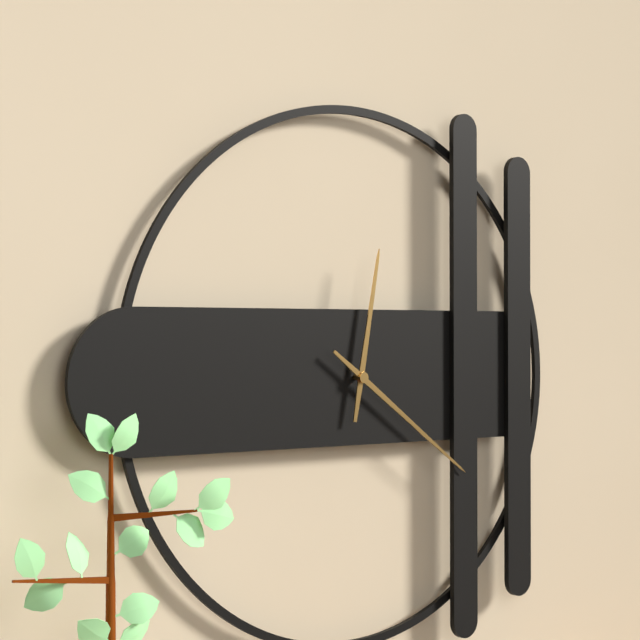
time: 12:21
